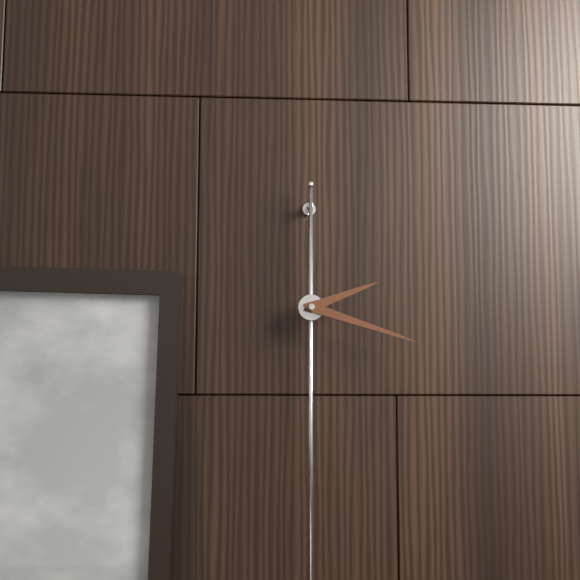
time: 2:18
